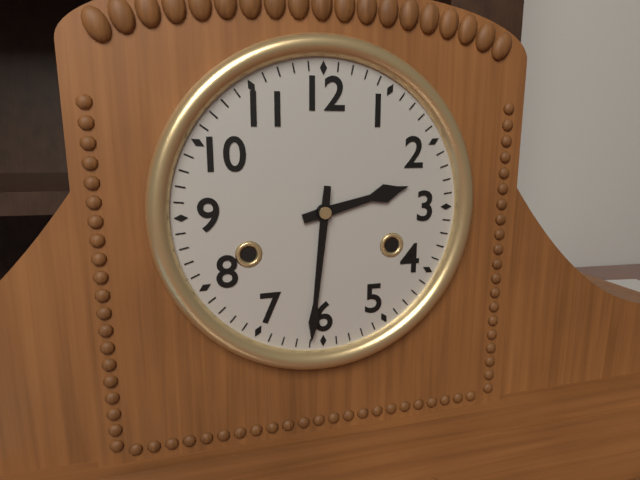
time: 2:31
